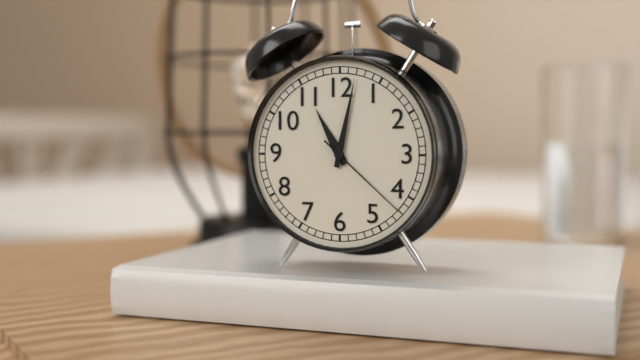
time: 11:02:22
